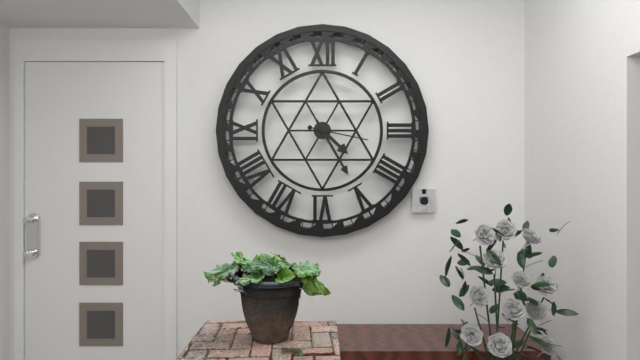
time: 4:25:17
